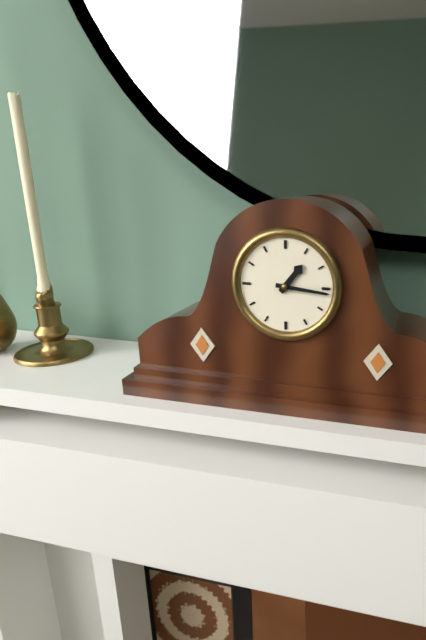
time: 1:16
